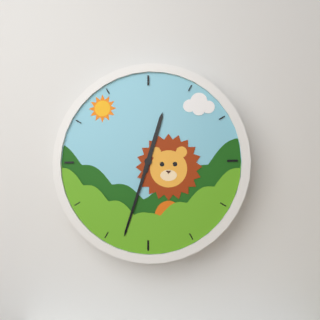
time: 12:33
